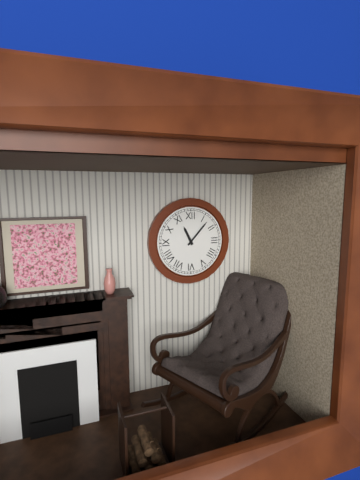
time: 11:07
